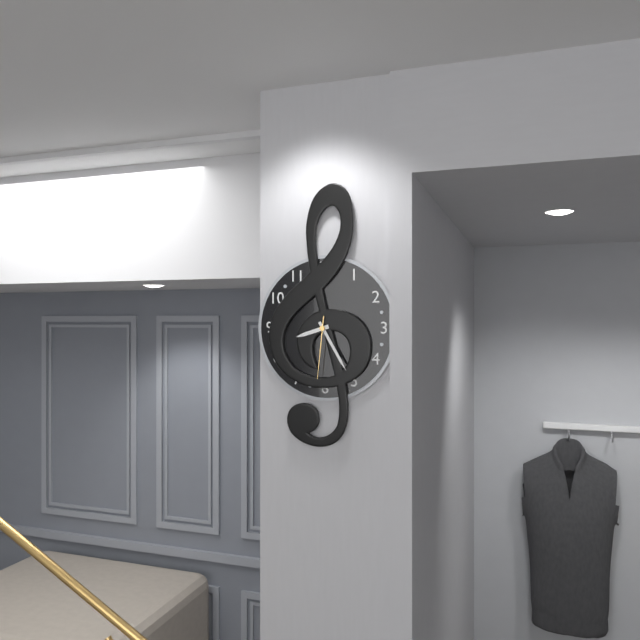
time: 8:25:31
